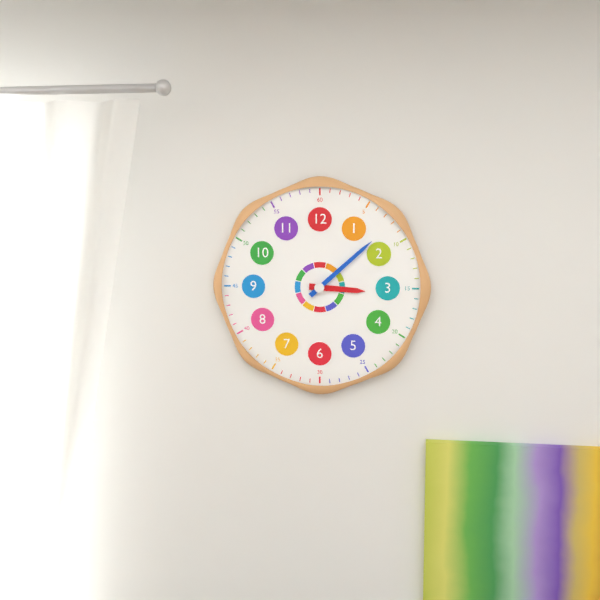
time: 3:08
